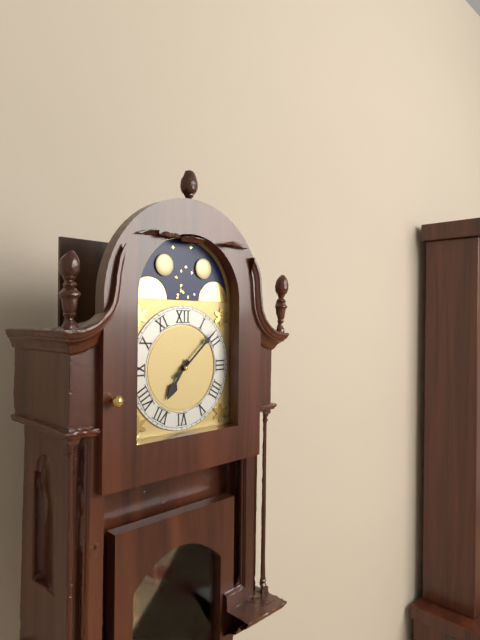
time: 7:08
